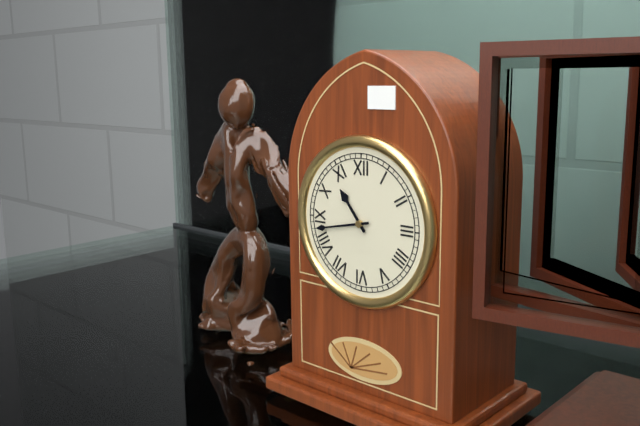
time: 10:43
